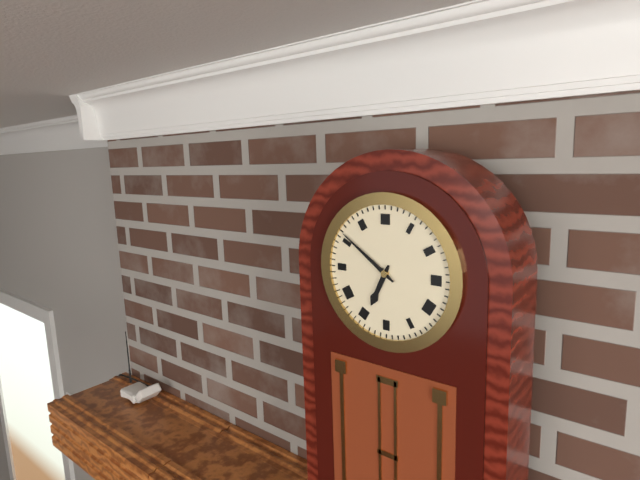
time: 6:51
